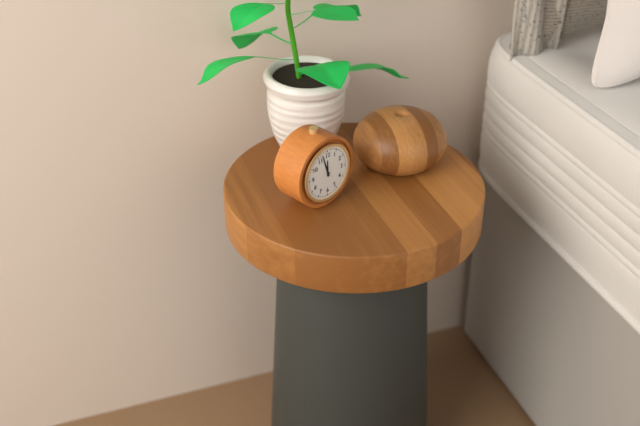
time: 11:57
